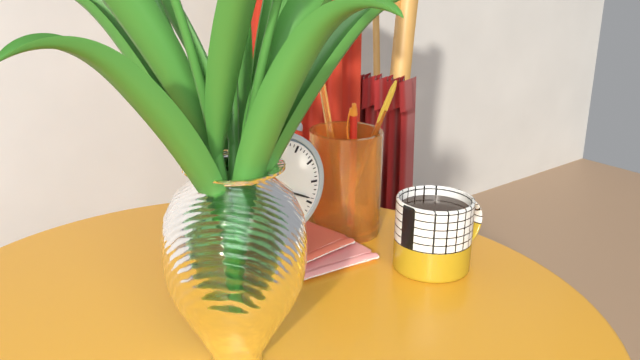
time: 5:19
